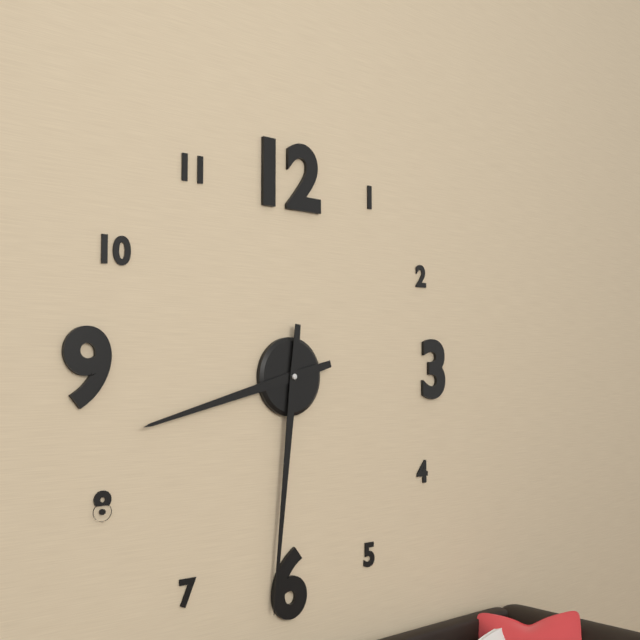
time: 8:31
